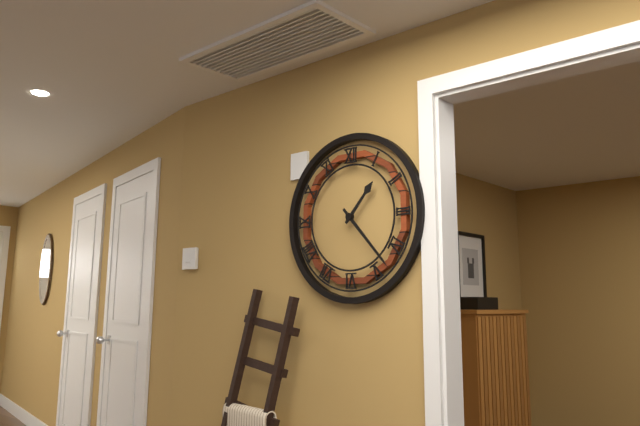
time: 1:23
